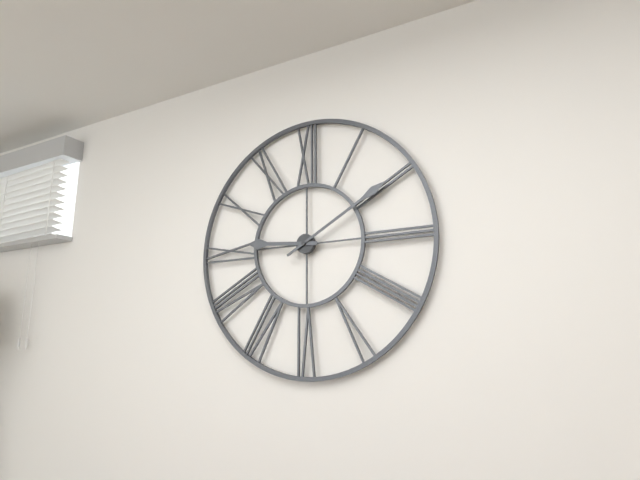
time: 9:10
